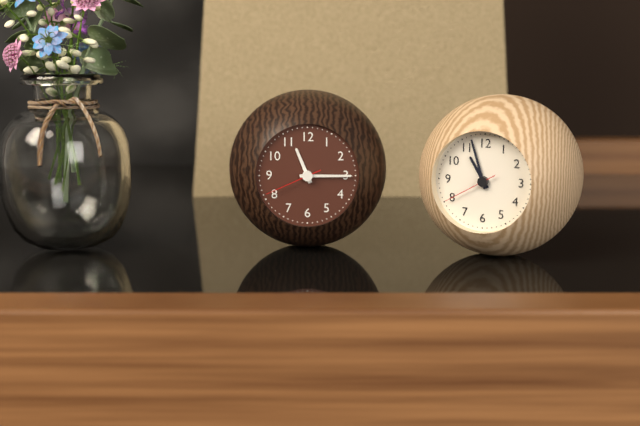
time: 11:15:41
